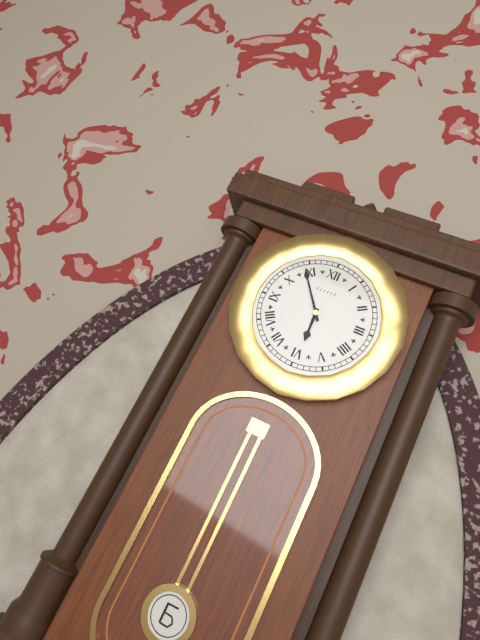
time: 5:54
